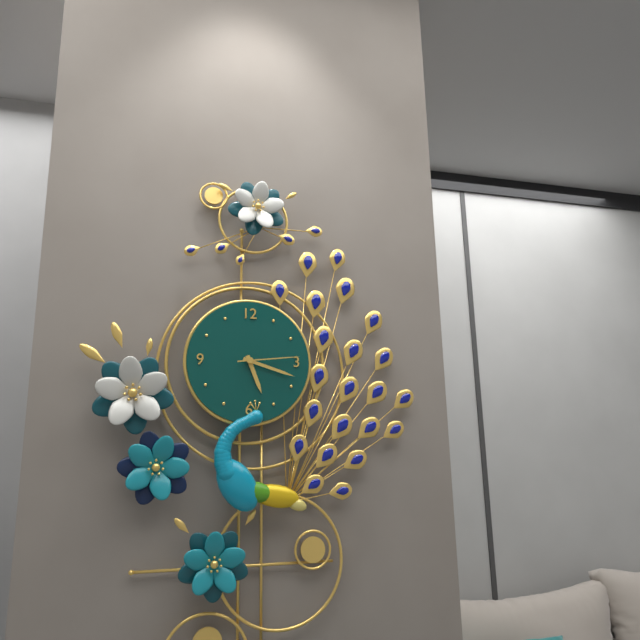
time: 5:18:14
